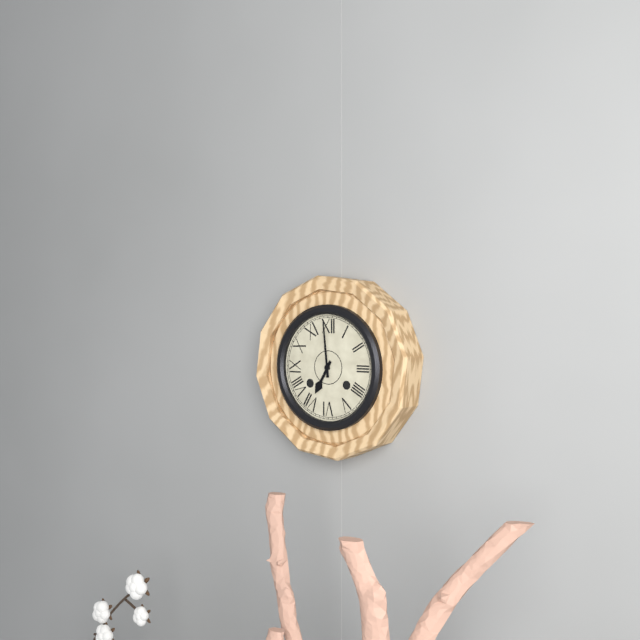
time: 6:59
